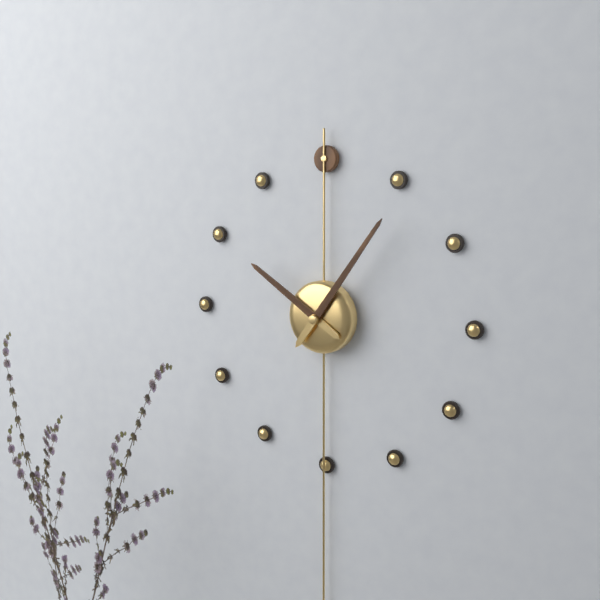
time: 10:06
